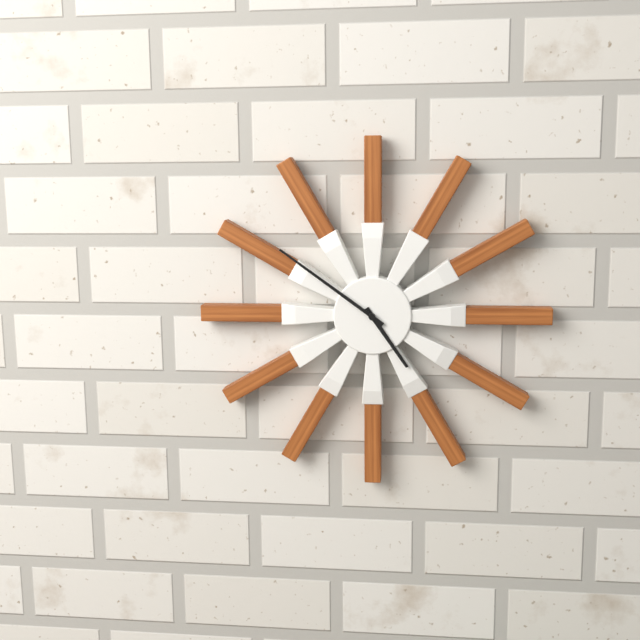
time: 4:51
